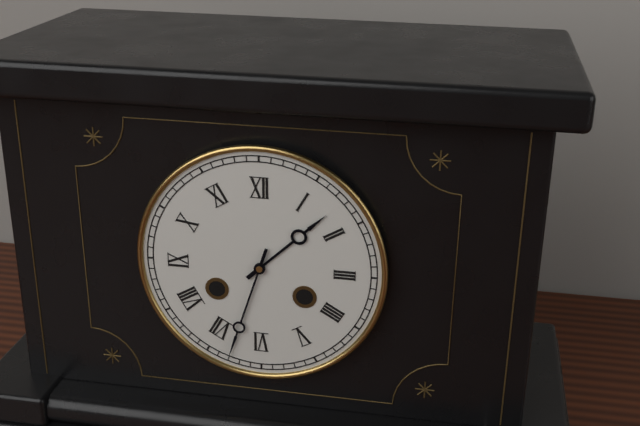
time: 1:33
